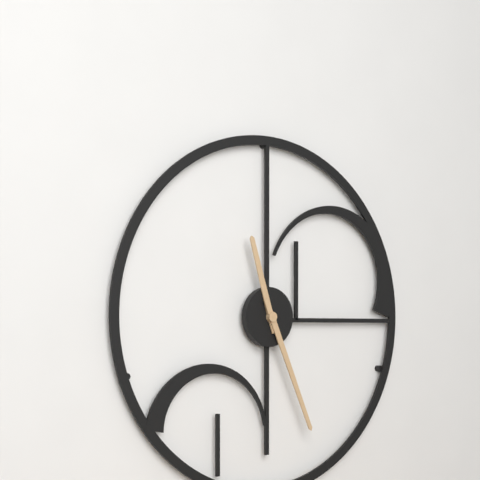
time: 11:26
